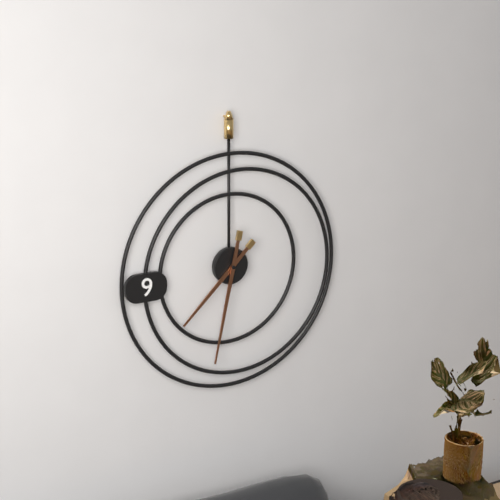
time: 7:32
